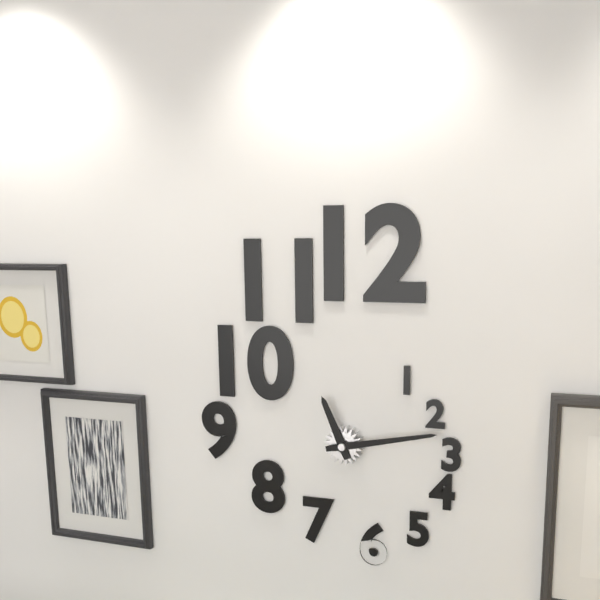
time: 11:13
